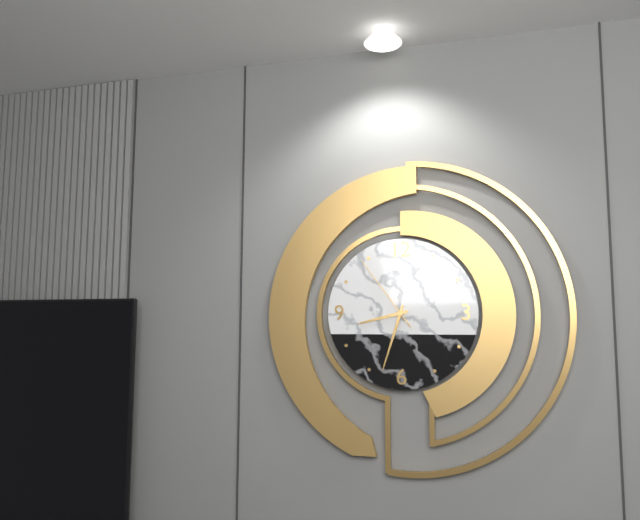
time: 8:33:54
